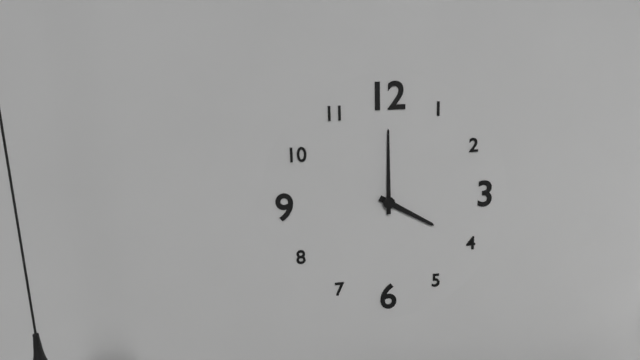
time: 4:00
